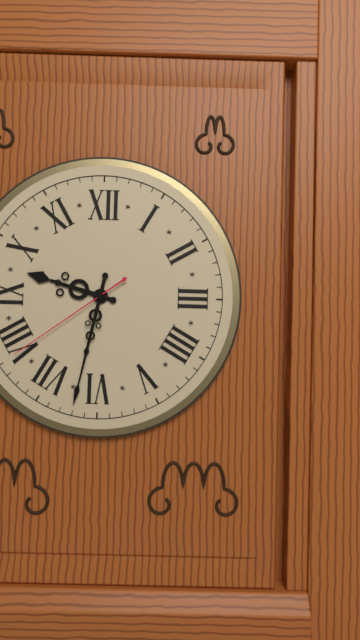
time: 9:32:39
